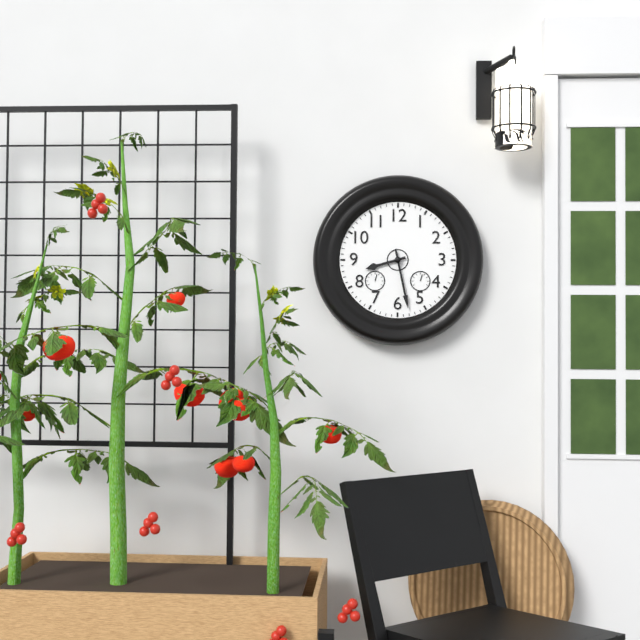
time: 8:28
